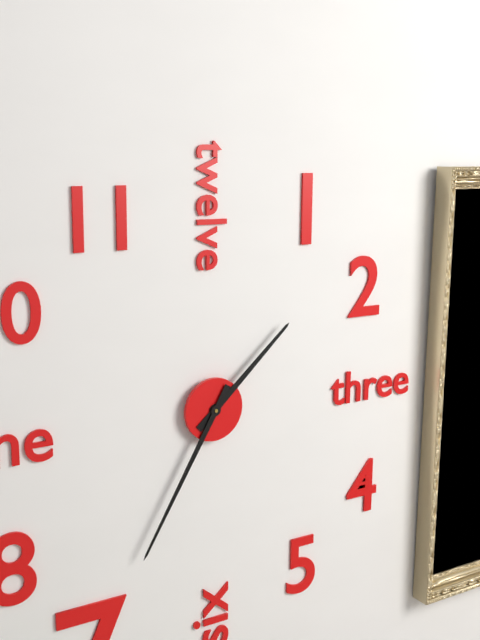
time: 1:35
